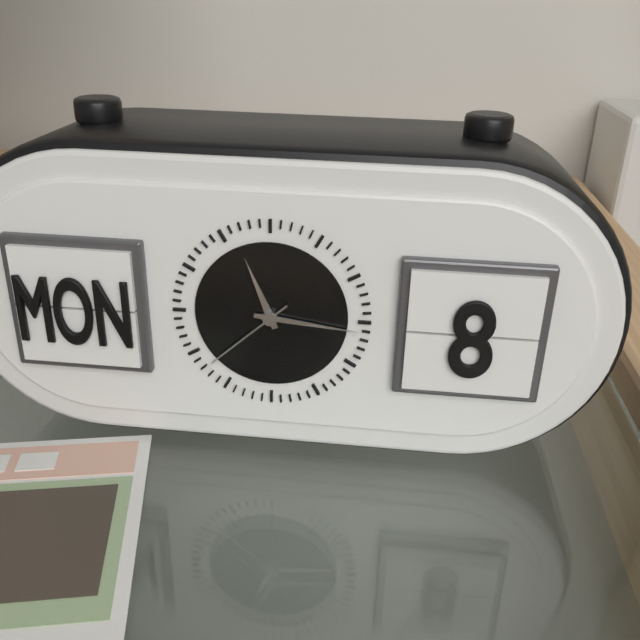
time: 11:16:38
